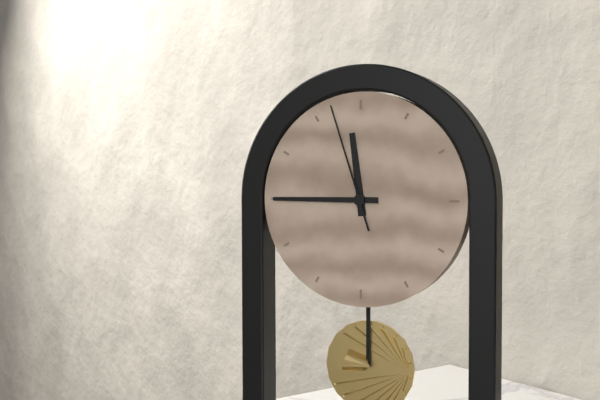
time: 11:45:57
